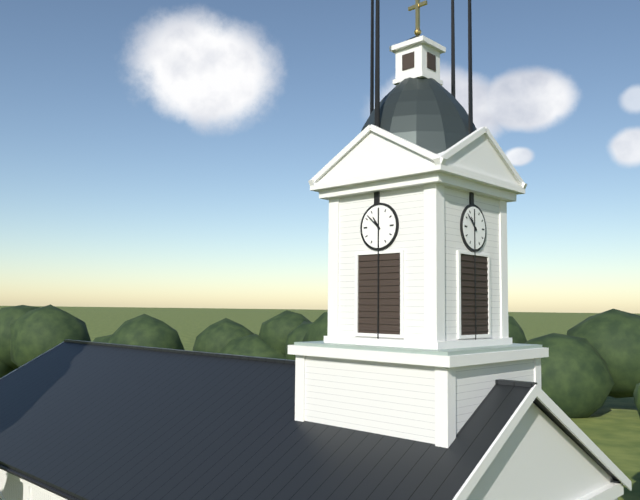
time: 10:52
